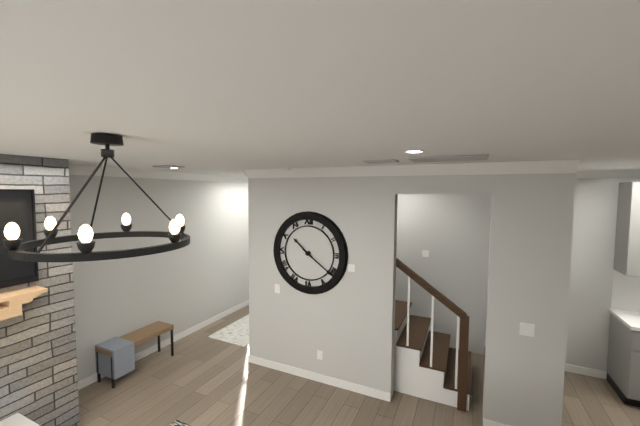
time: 10:21
